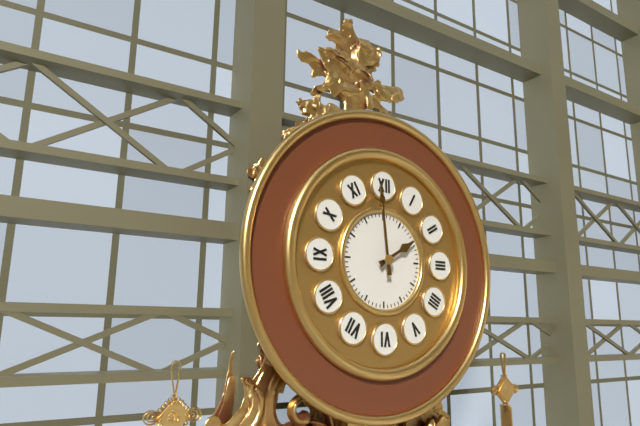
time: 1:59
